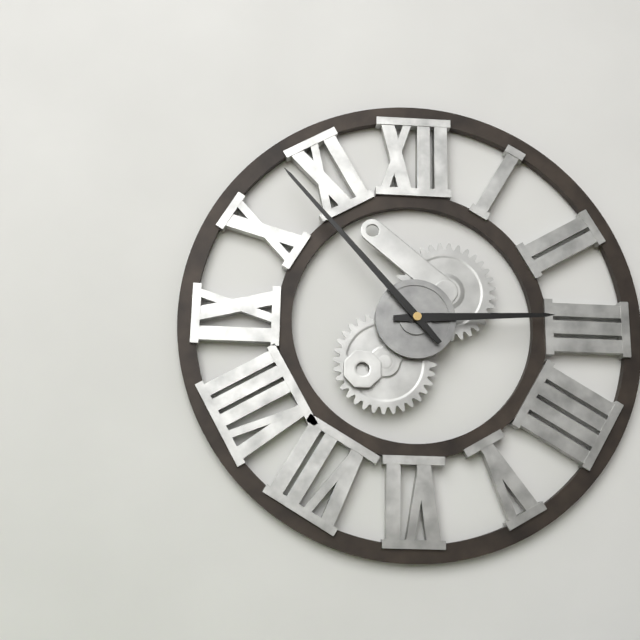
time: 2:53
